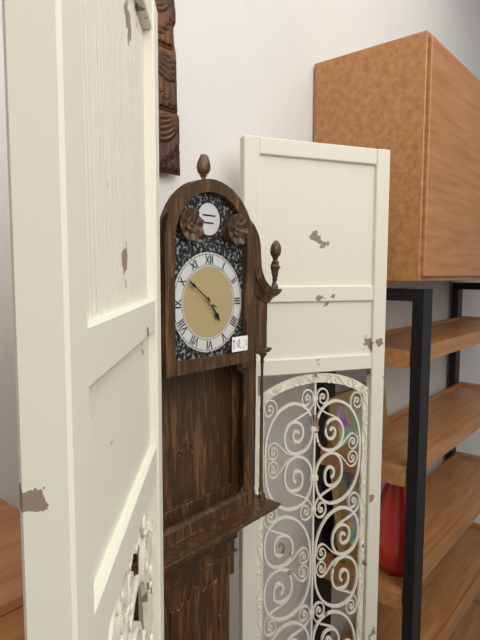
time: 4:51
